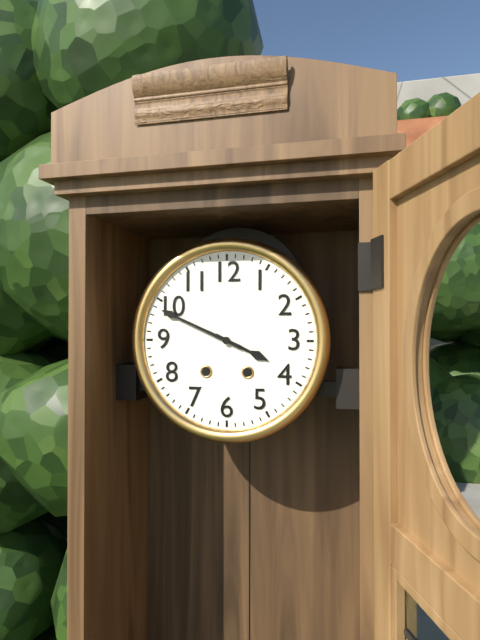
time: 3:49
